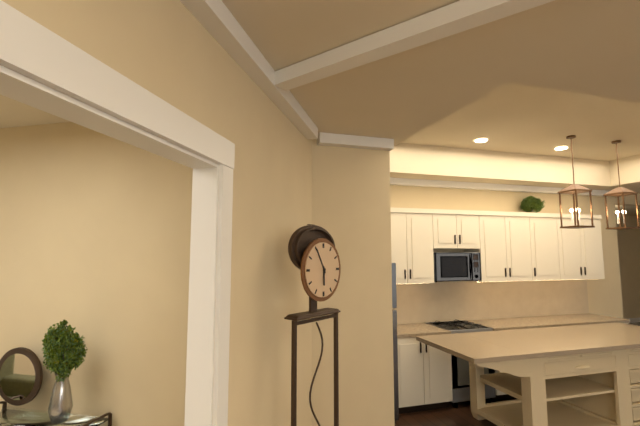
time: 5:55
